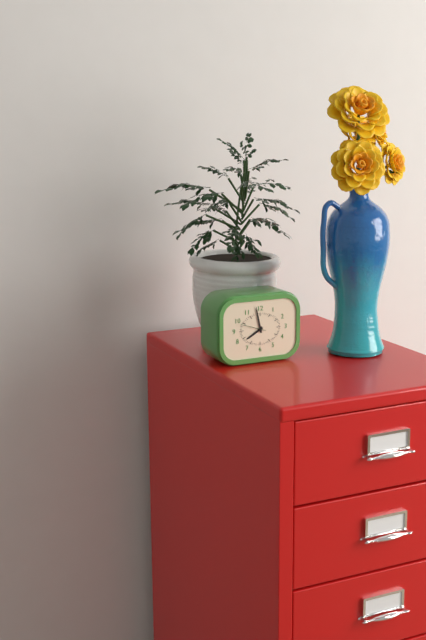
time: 7:58
